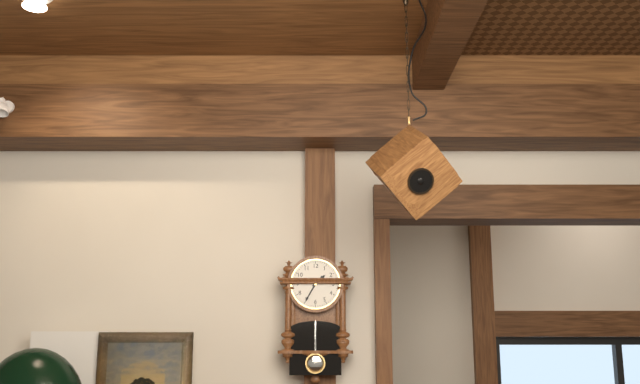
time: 1:35
